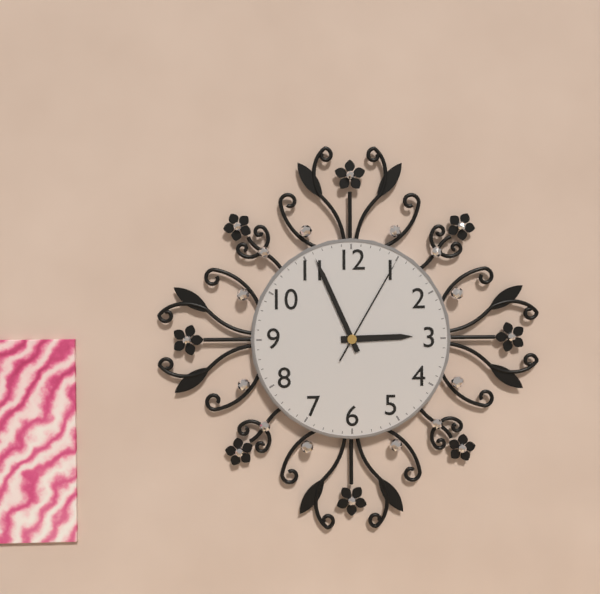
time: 2:56:05
